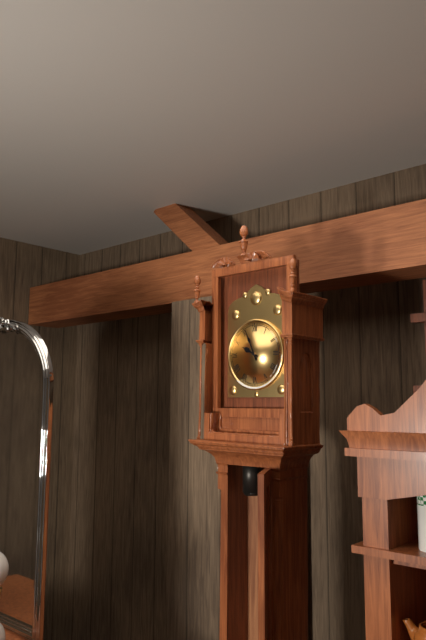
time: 9:56
